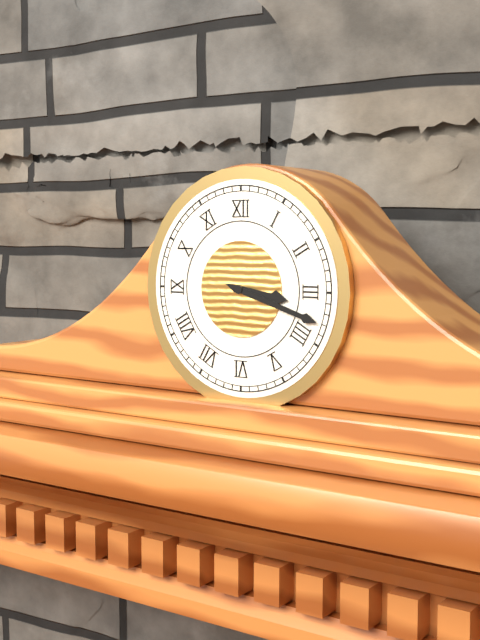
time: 3:18
